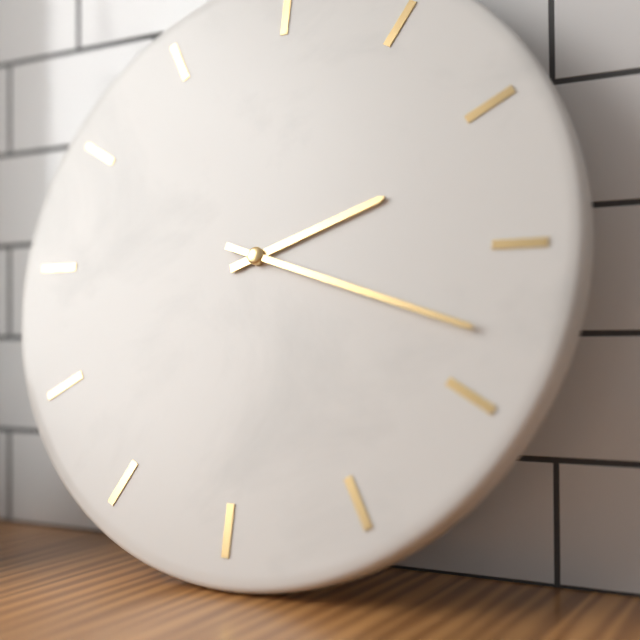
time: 2:18
